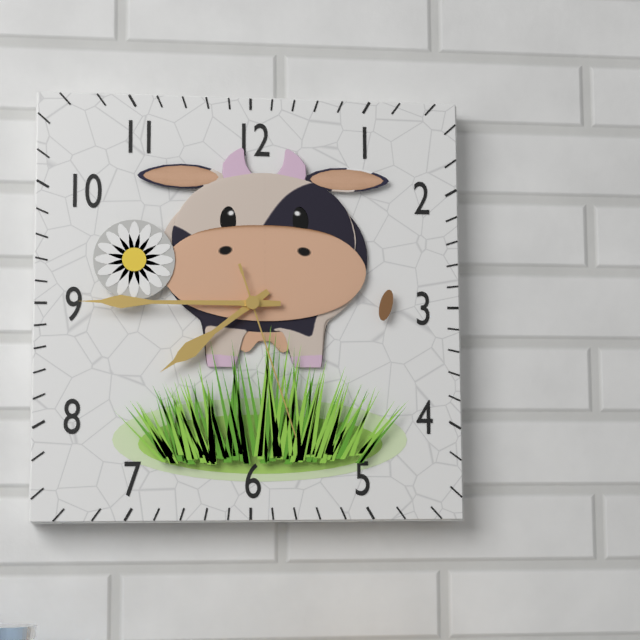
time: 7:45:27
